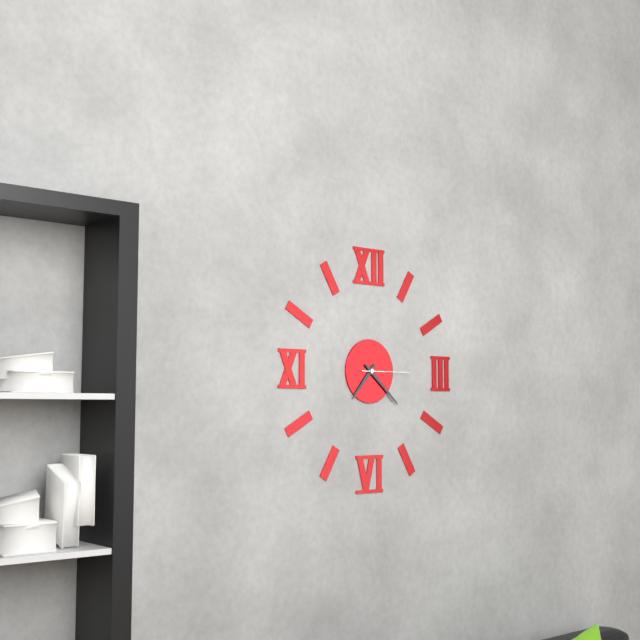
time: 7:22:15
